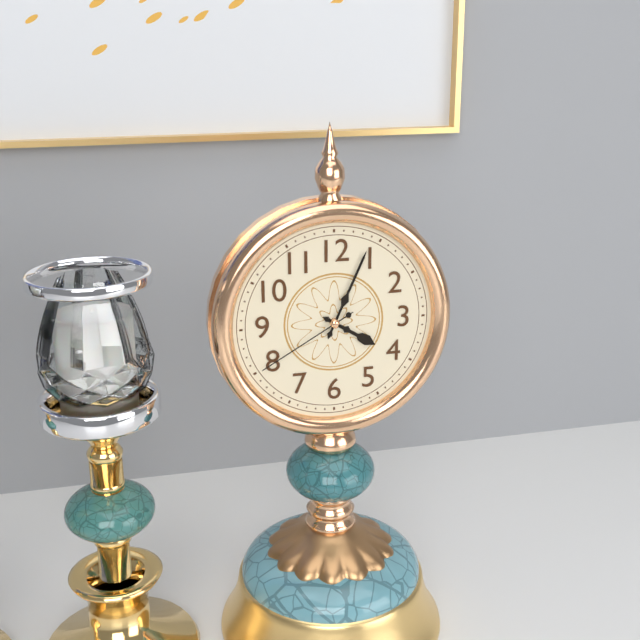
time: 4:04:40
